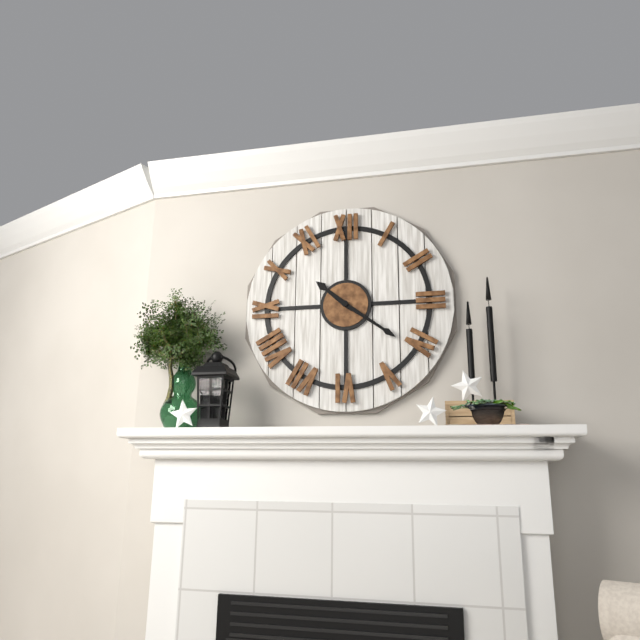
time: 10:21
